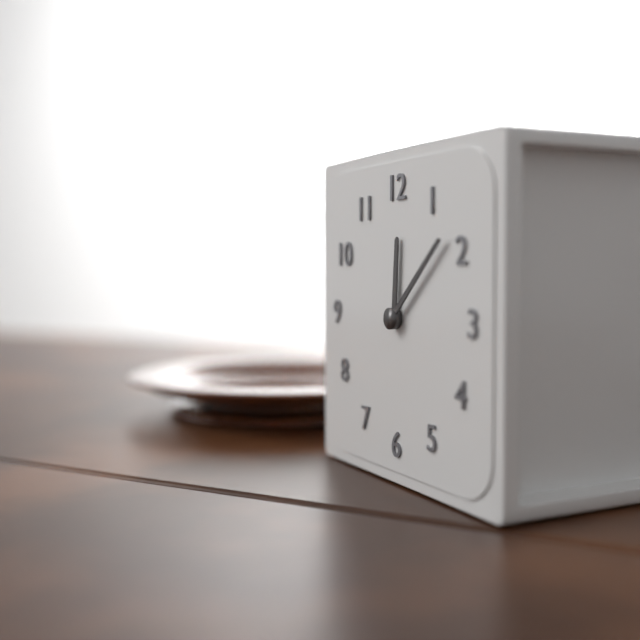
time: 12:08
